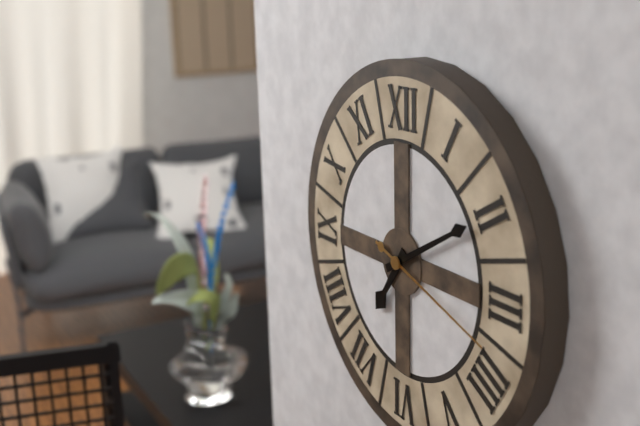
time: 7:10:18
